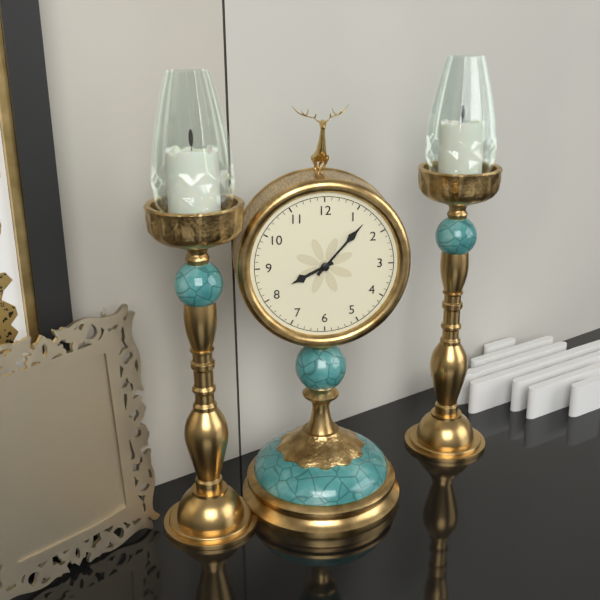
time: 8:07
